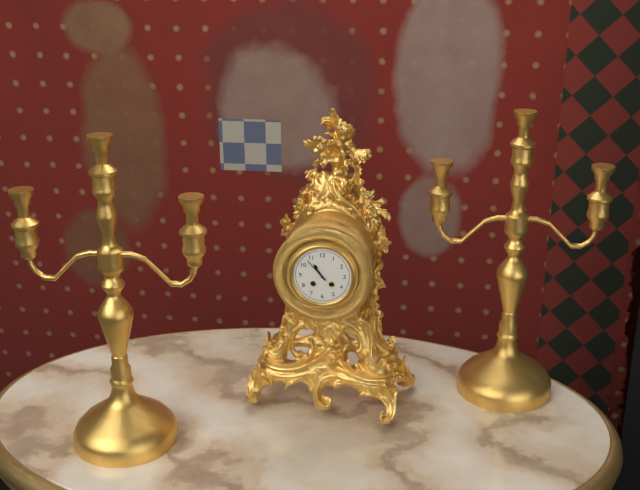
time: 10:53
